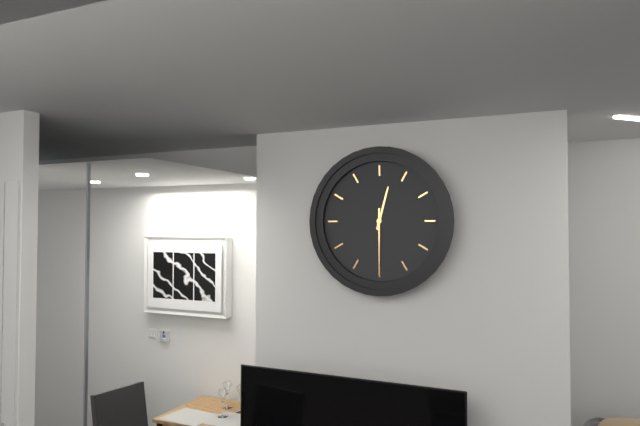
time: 12:30
